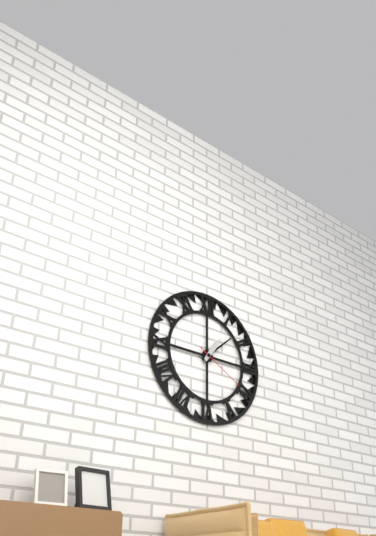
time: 1:08:20
